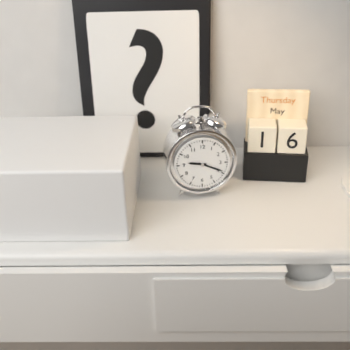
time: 9:19
